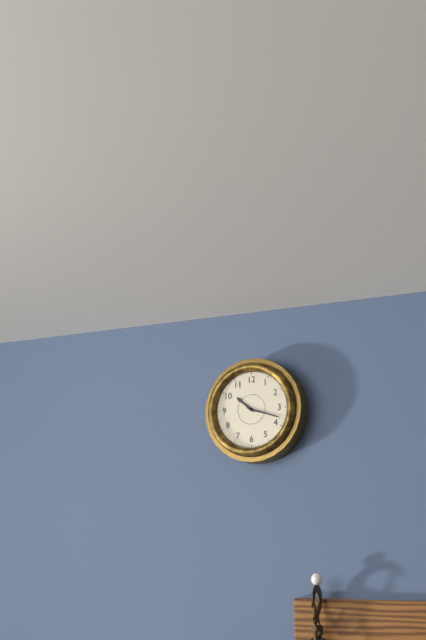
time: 10:18
